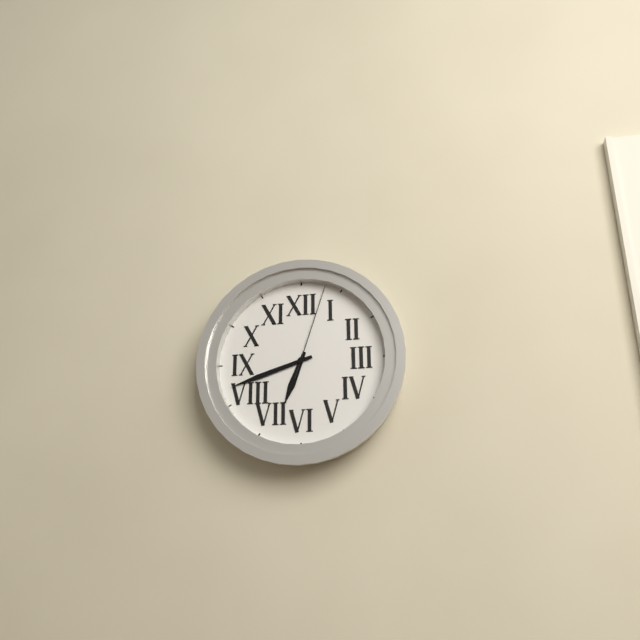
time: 6:42:03
